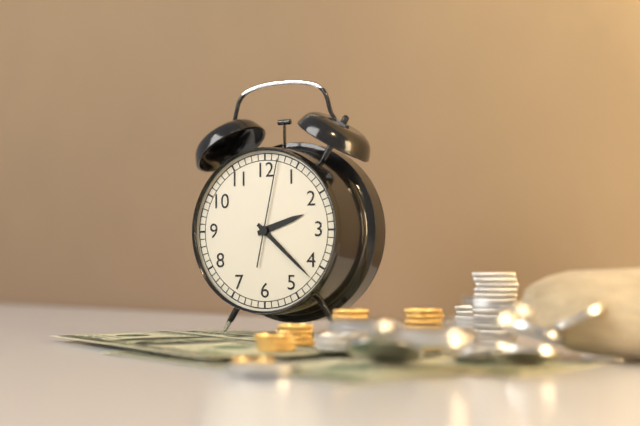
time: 2:22:02
